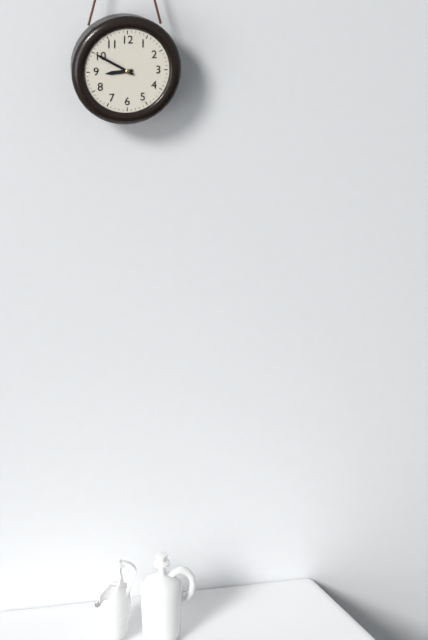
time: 8:50
